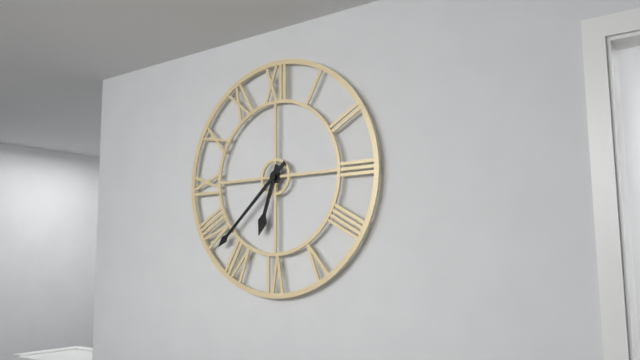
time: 6:38
